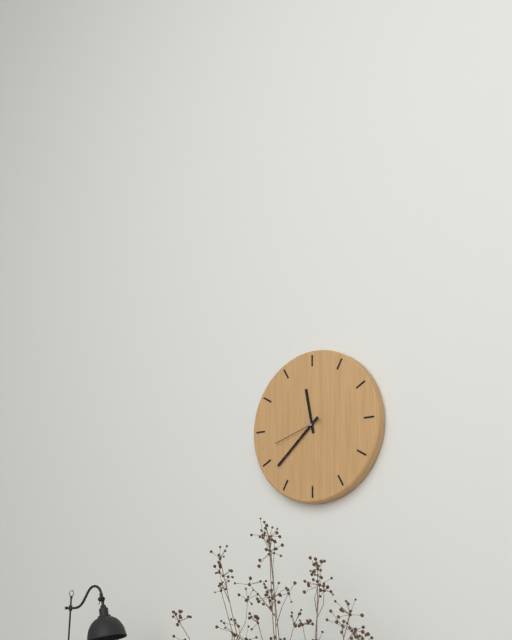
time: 11:38:42
